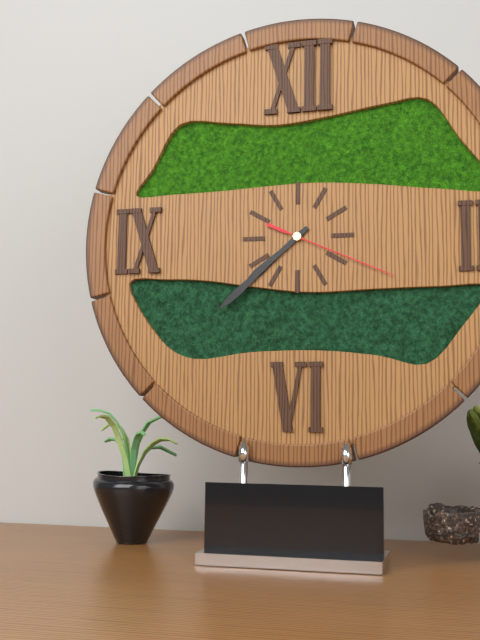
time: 7:38:19
